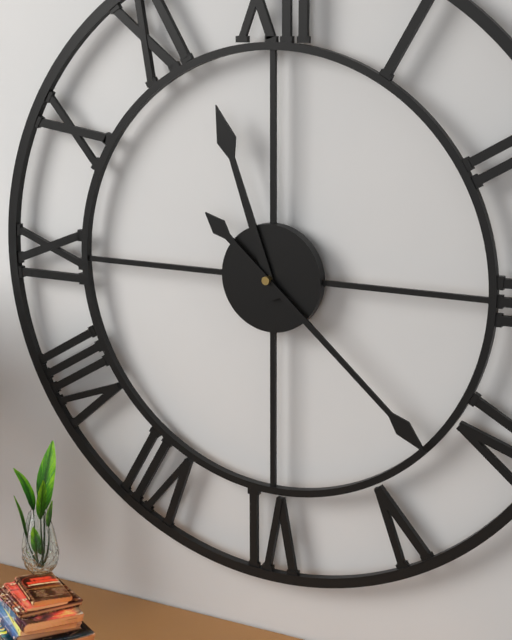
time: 11:22
